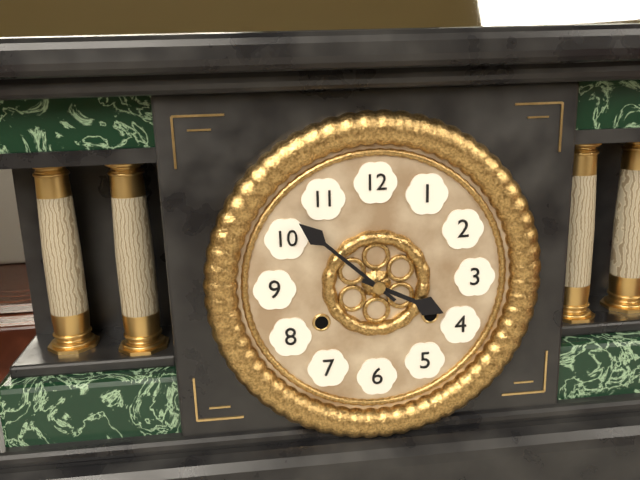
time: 3:52
